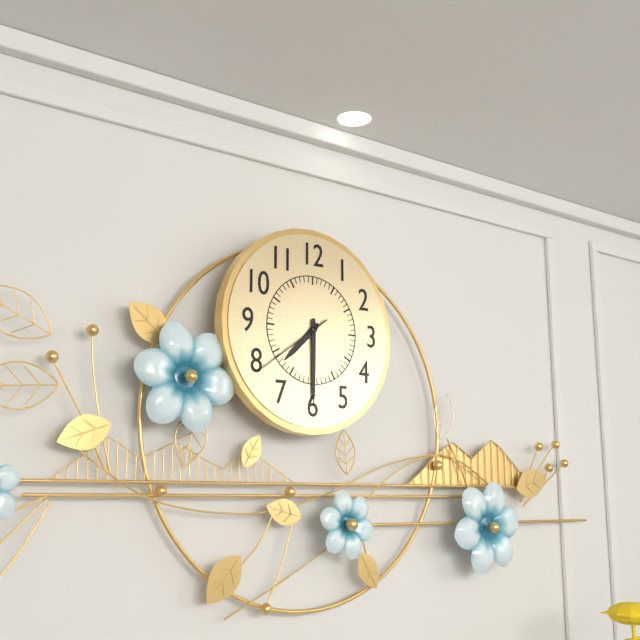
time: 7:30:39
